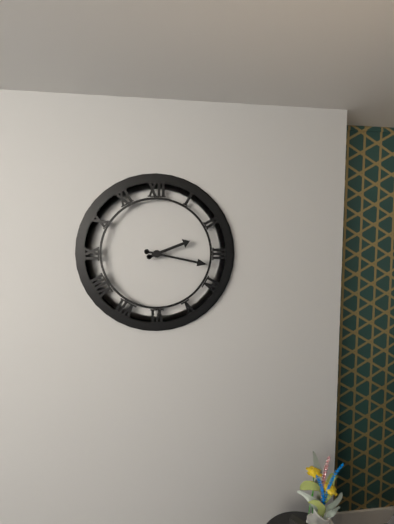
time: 2:17
